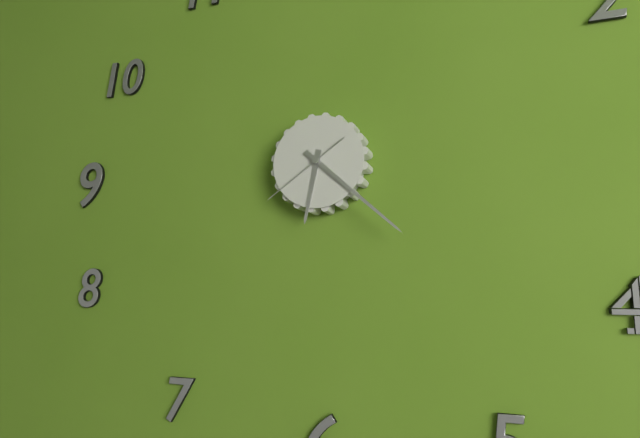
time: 6:22:39
